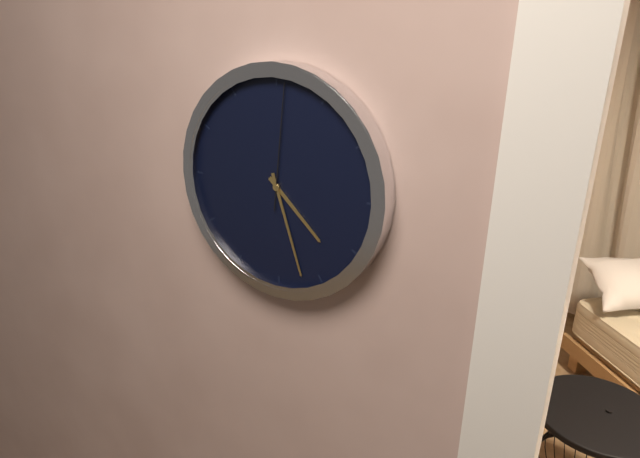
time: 4:27:01
